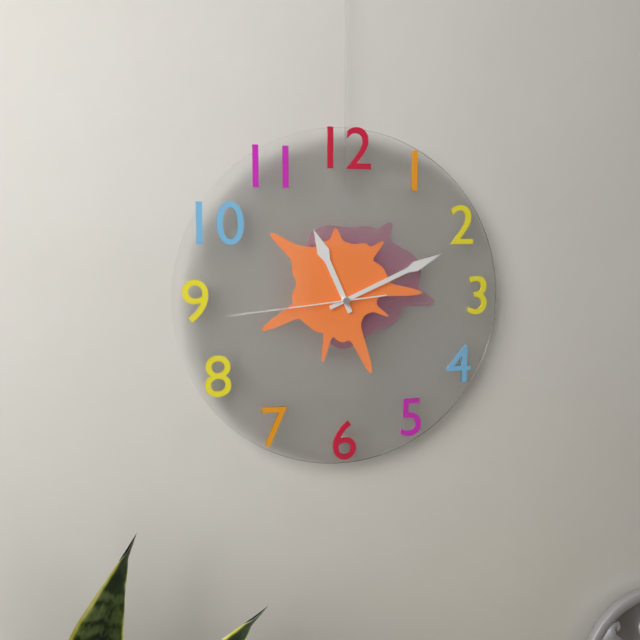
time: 11:11:44
